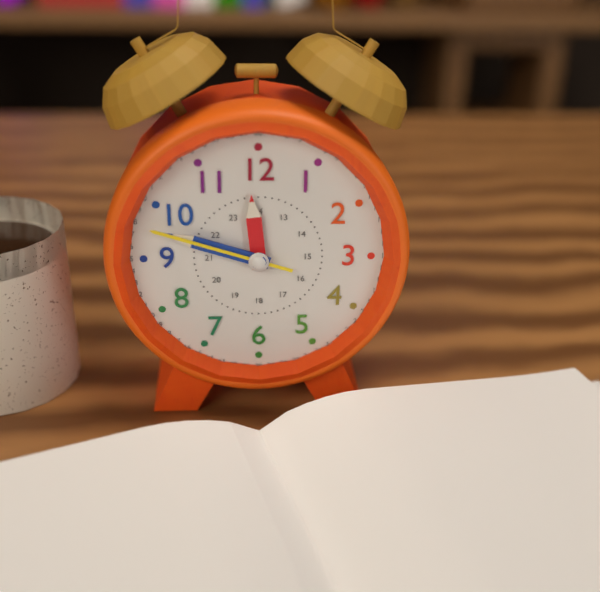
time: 11:48:48
